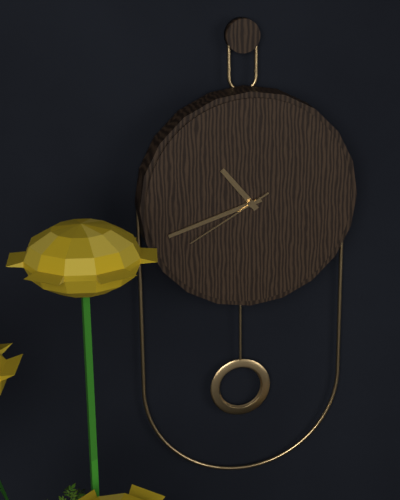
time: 10:42:40
